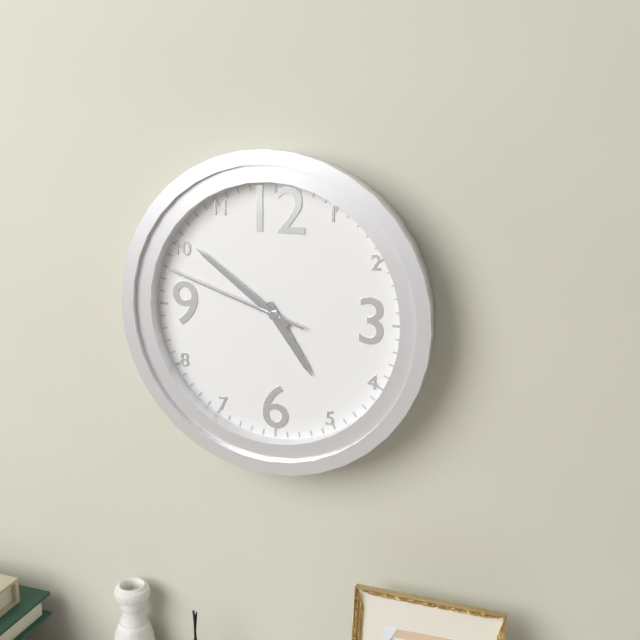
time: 4:51:48
